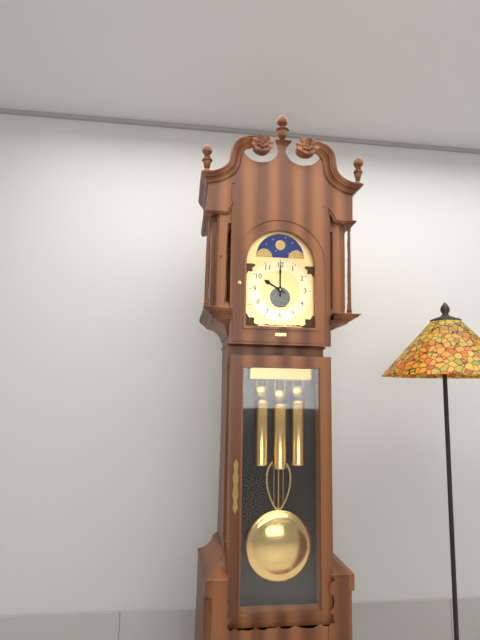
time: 10:00
